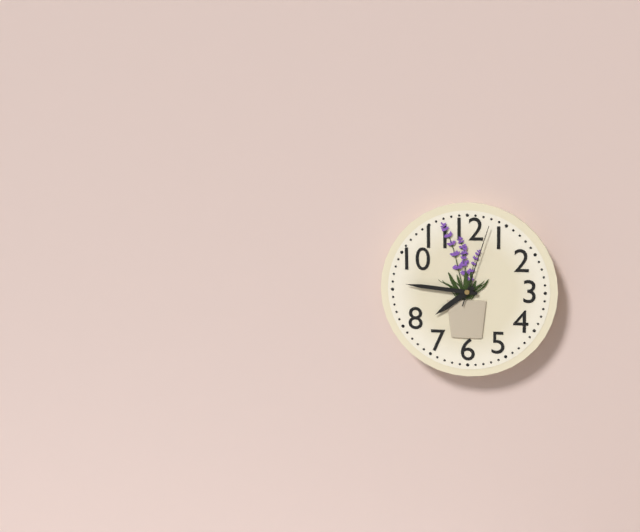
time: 7:46:03
